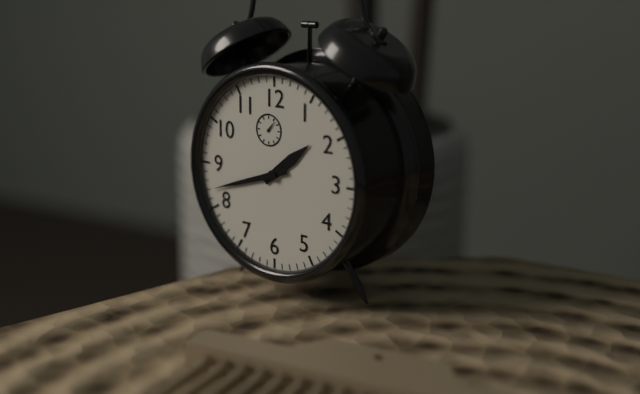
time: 1:42
